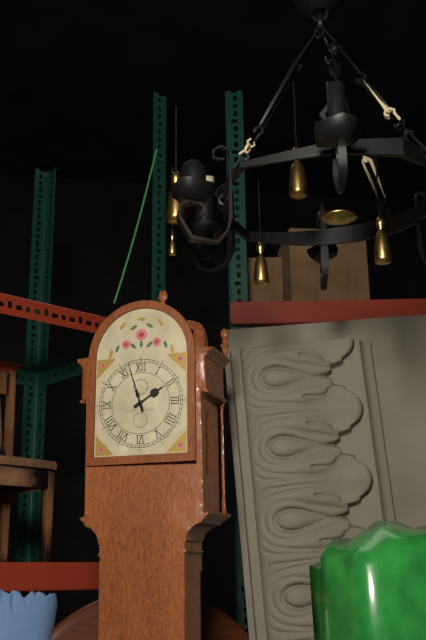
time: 1:57
